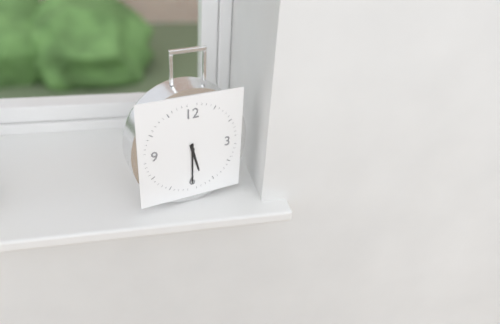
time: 5:30
